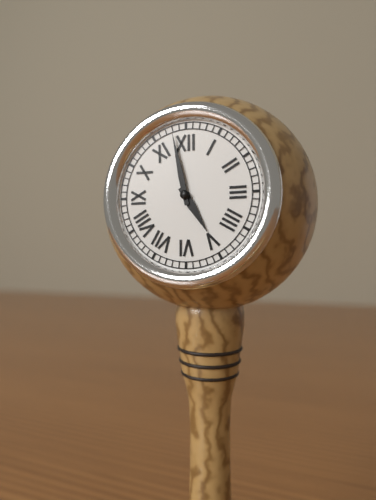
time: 4:58
